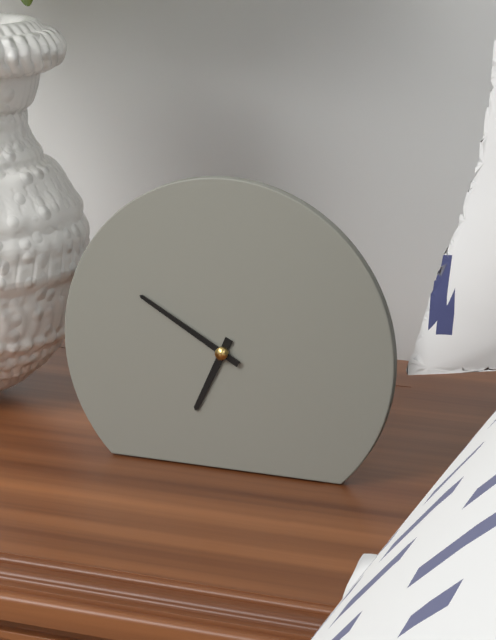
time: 6:50
